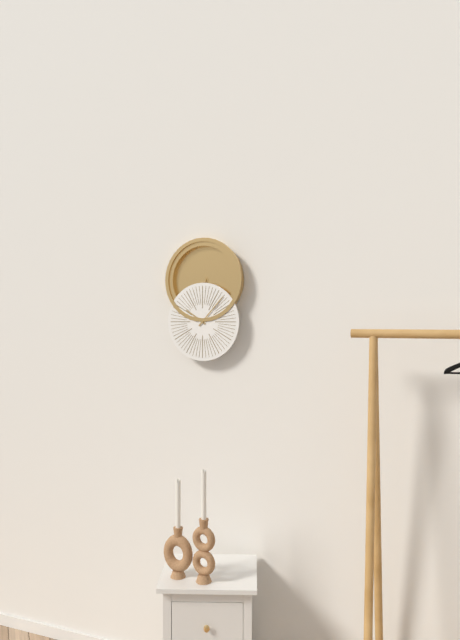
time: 10:07
